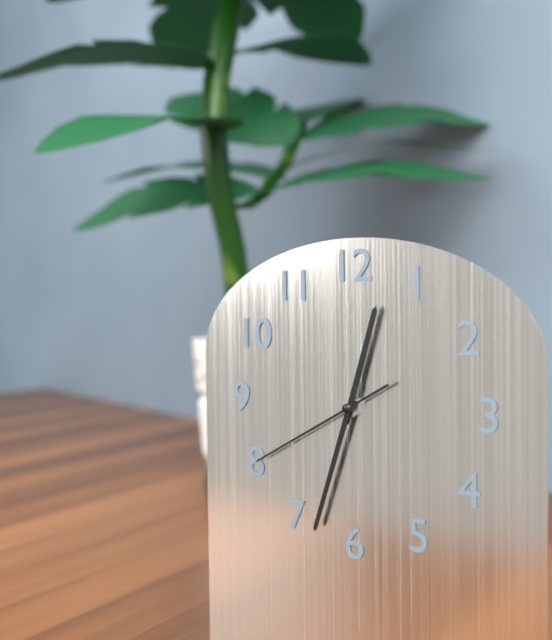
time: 12:33:40
